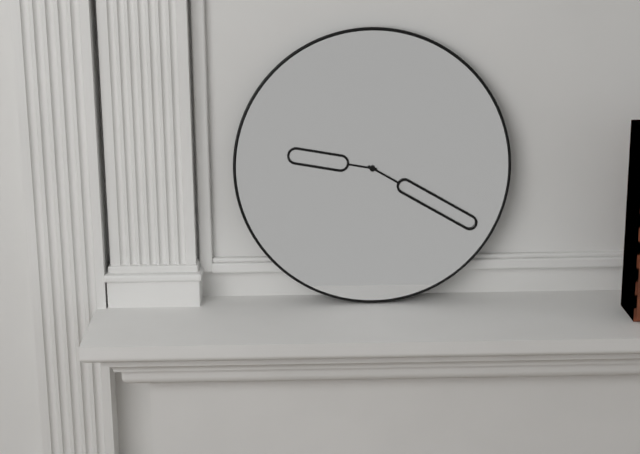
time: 9:20
